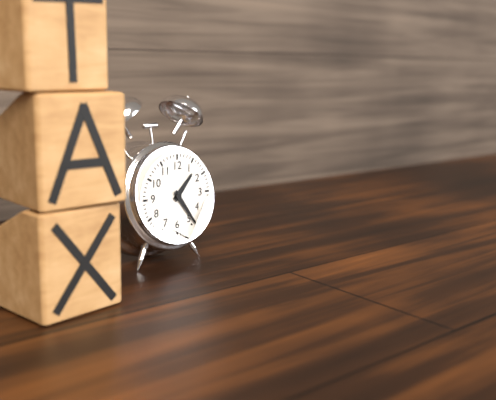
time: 1:24
